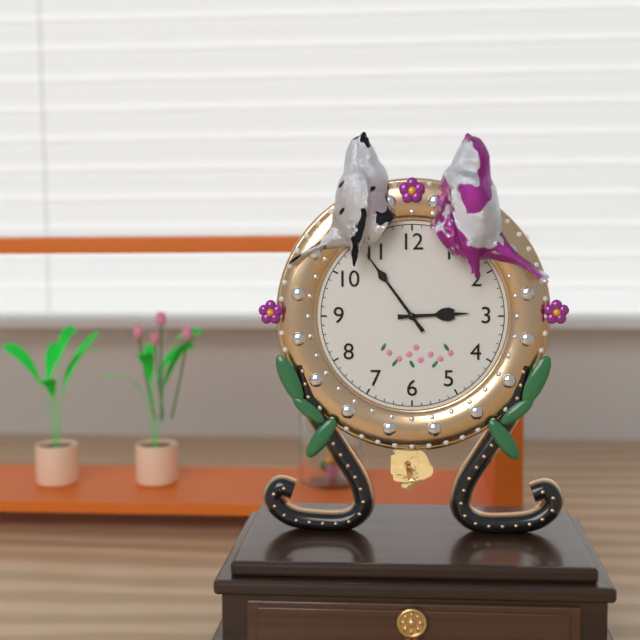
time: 2:54
